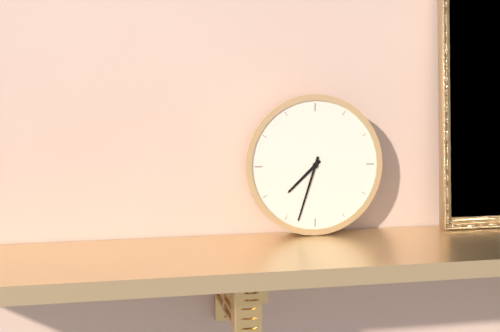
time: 7:33
